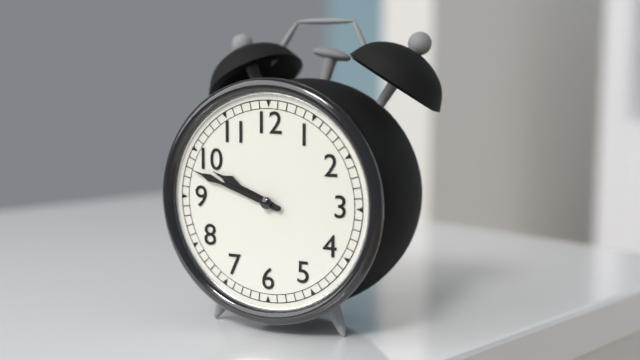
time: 9:48
